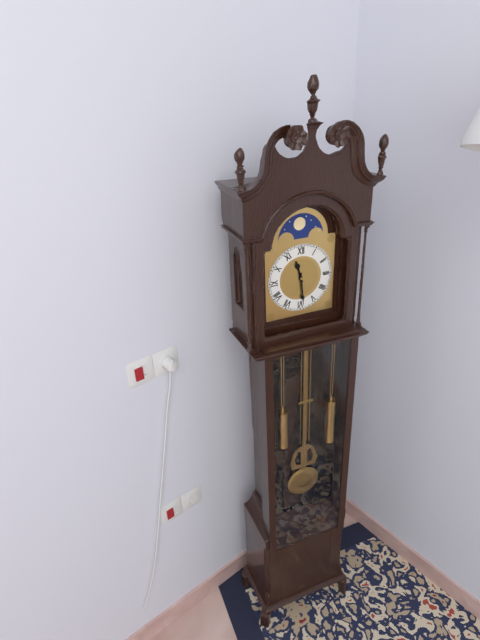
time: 11:29
